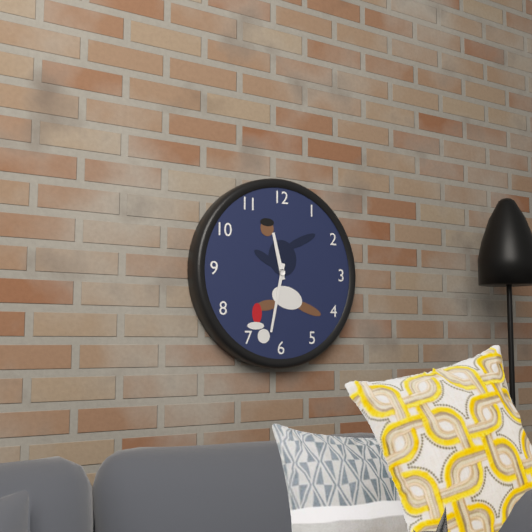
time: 11:32
